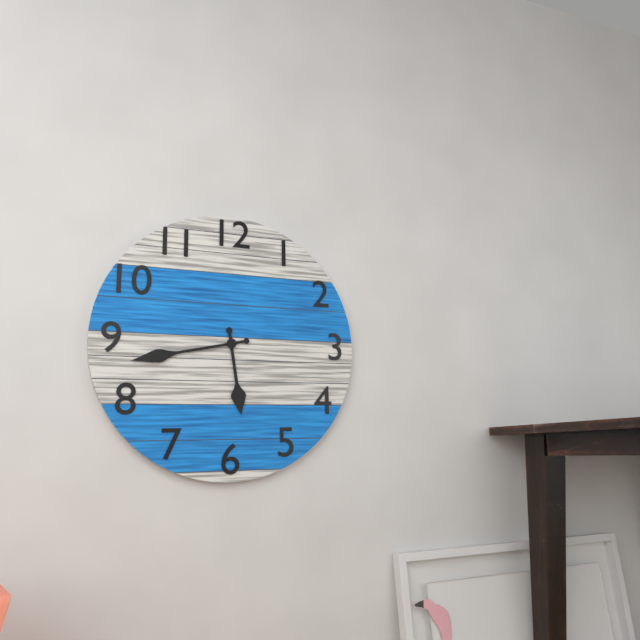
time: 5:43
